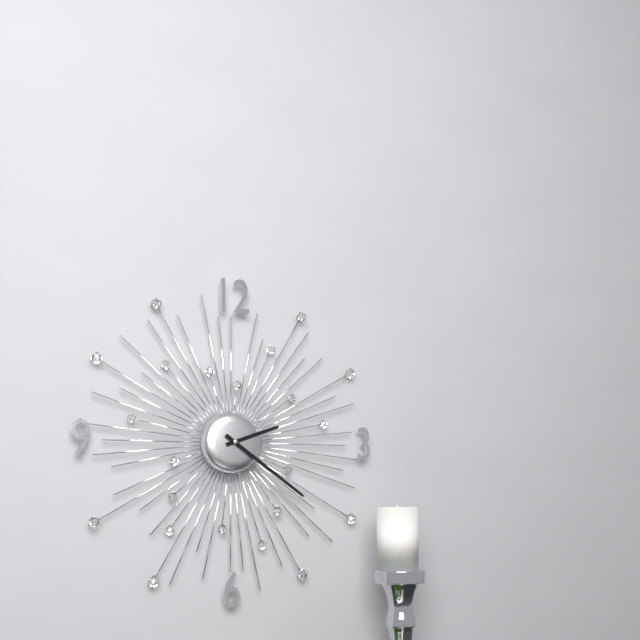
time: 2:21
